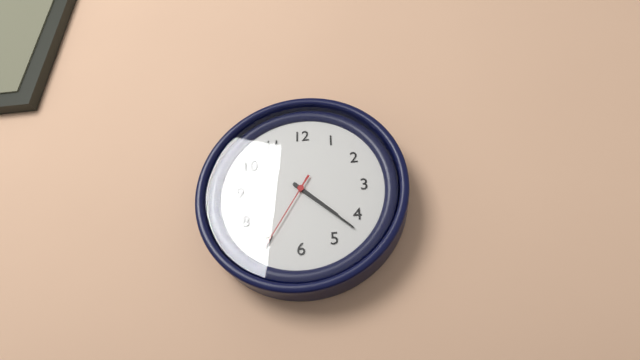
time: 4:22:35
